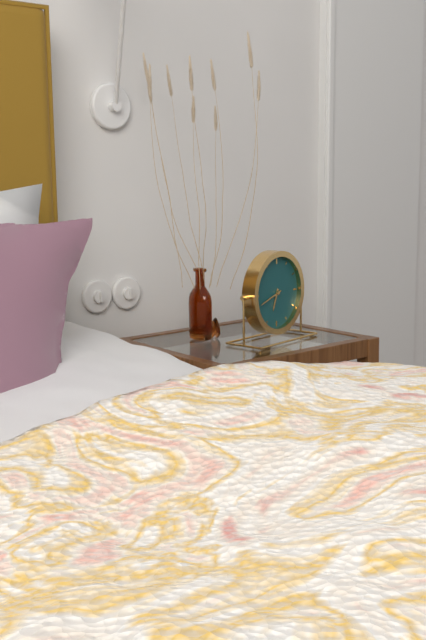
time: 6:42
